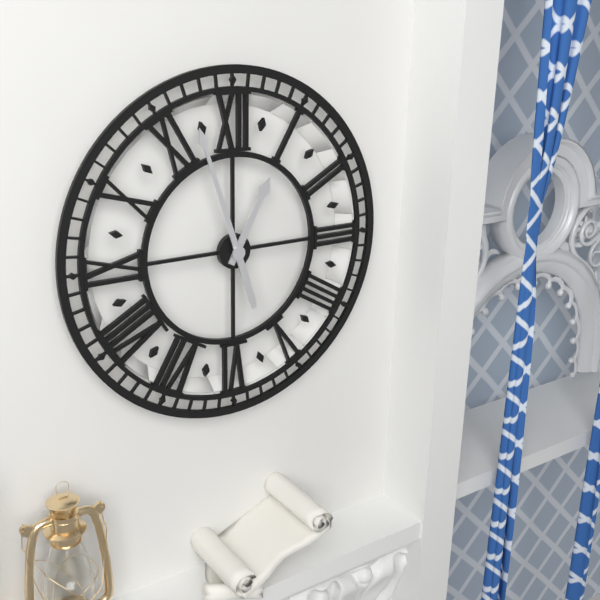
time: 12:57
